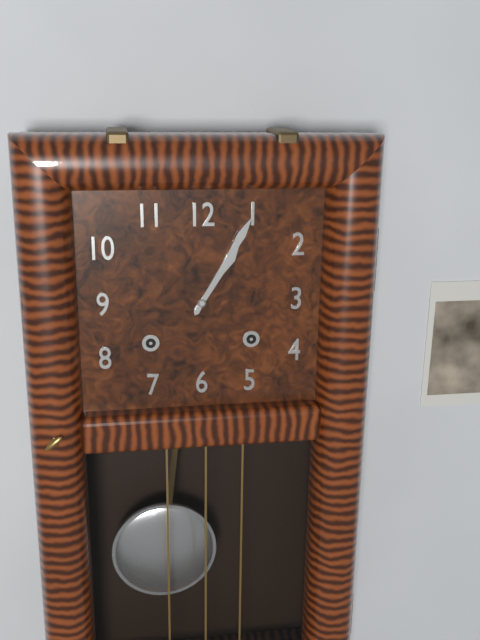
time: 1:05
